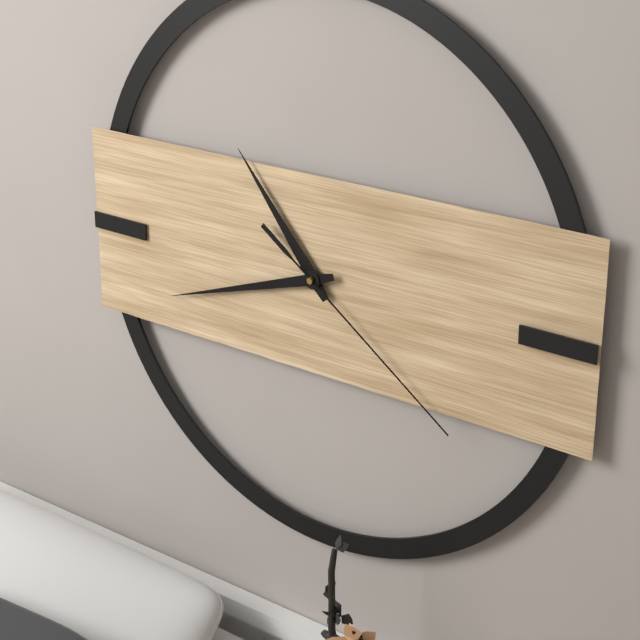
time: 10:42:21
